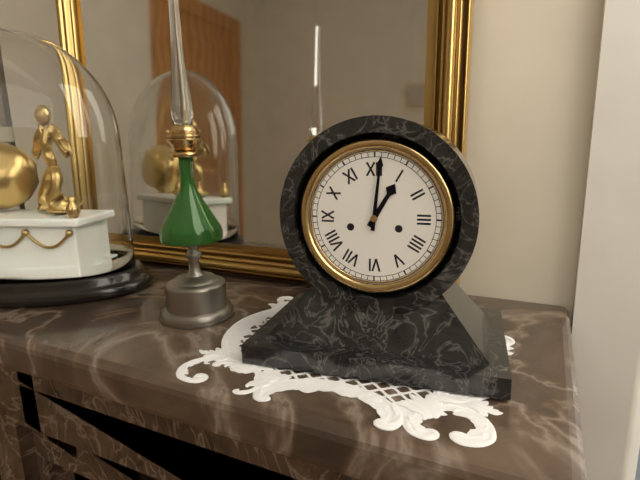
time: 1:01
